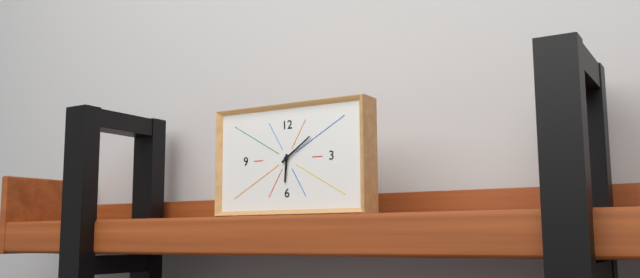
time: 6:09
